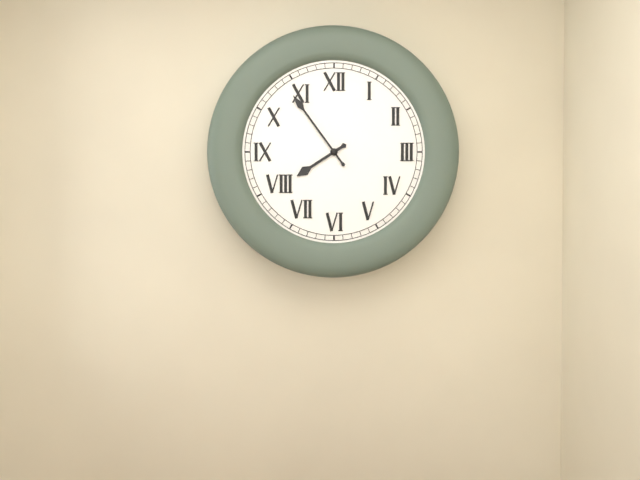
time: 7:54
